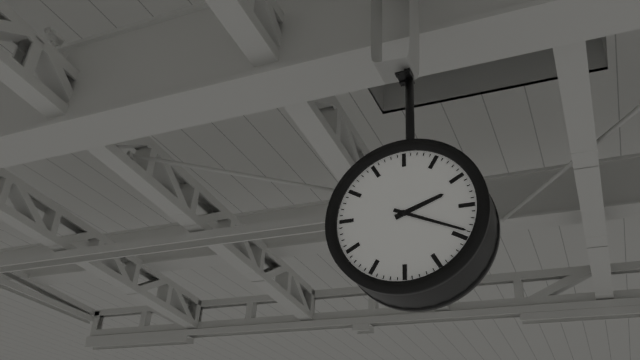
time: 2:19
